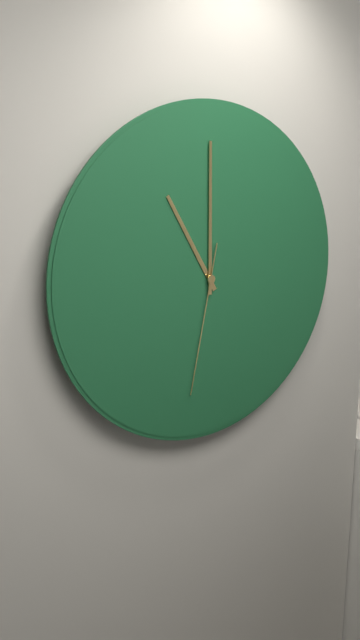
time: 11:00:32
